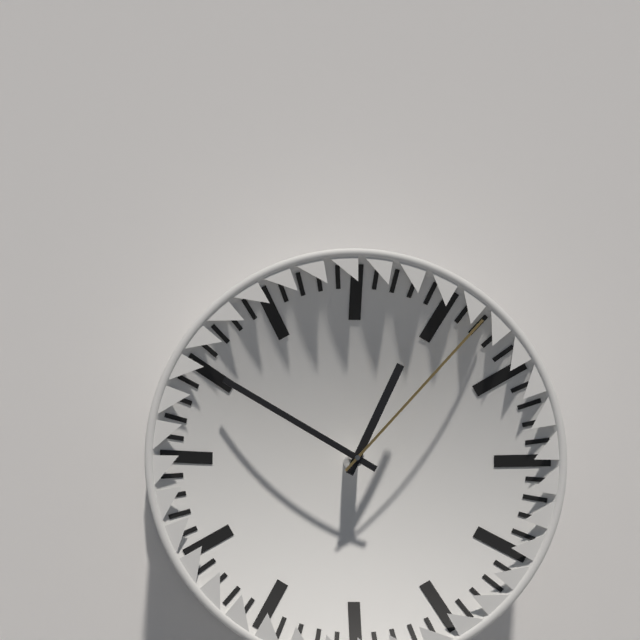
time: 12:50:07
